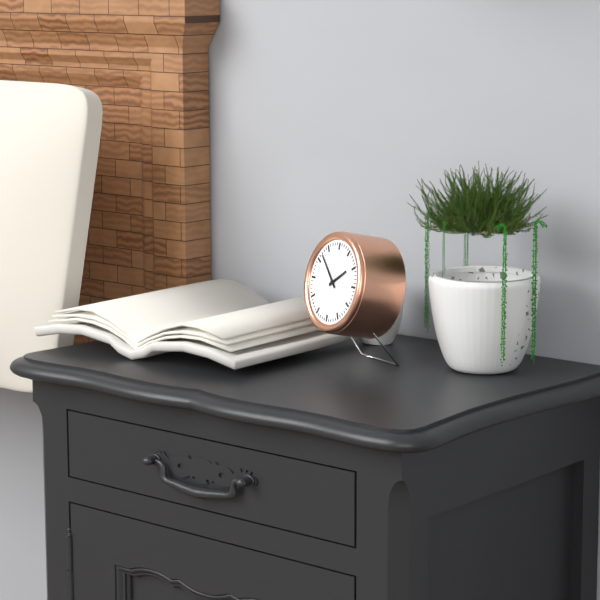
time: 1:52
